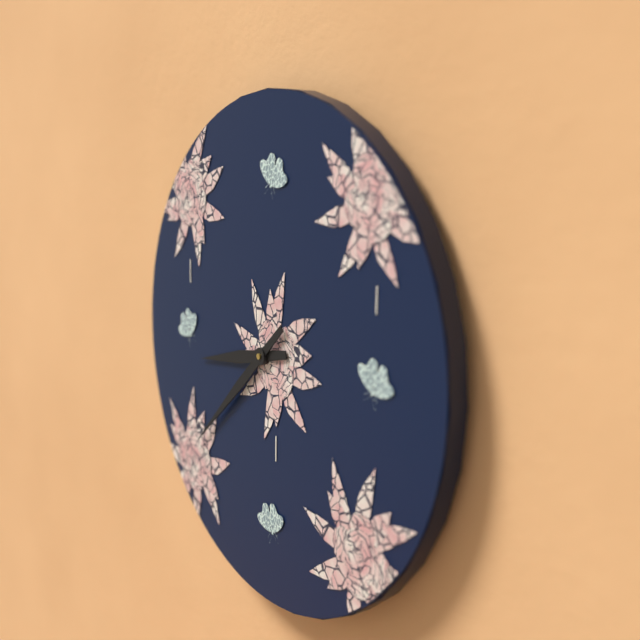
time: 8:38
